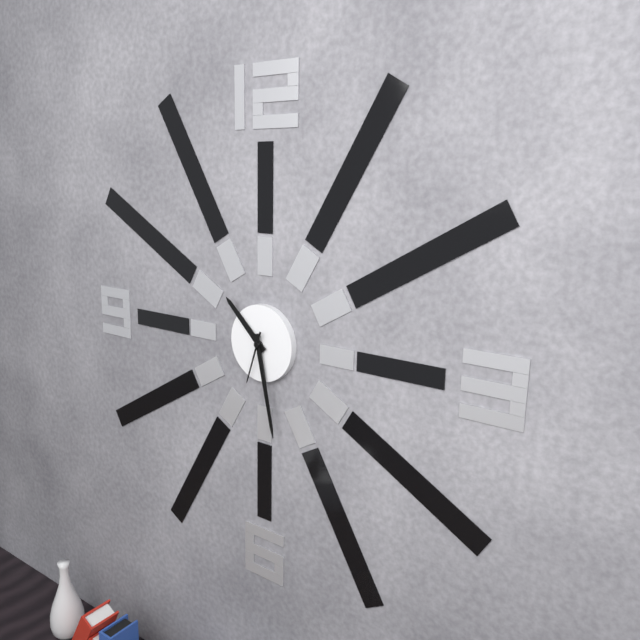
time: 10:28:33
